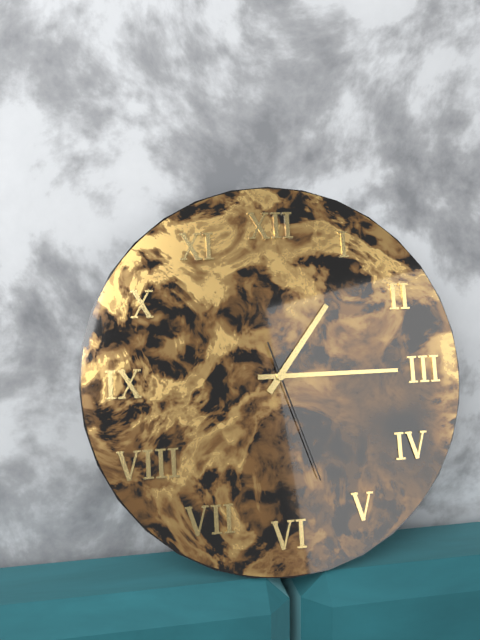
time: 1:15:27
